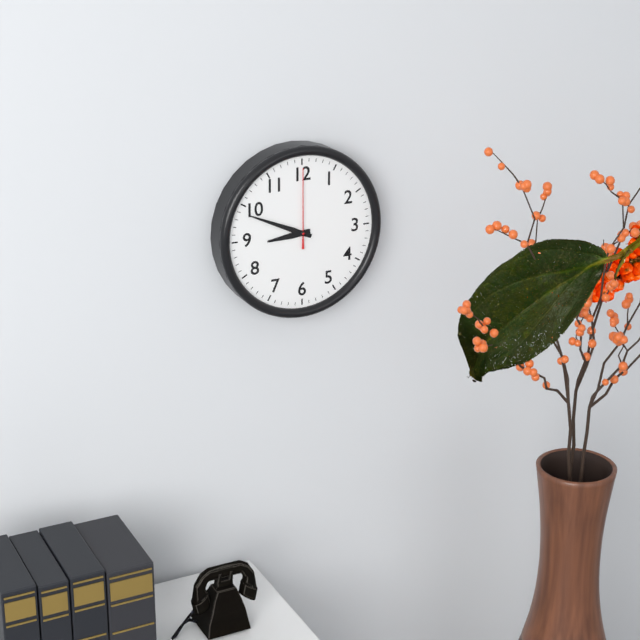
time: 8:49:00
